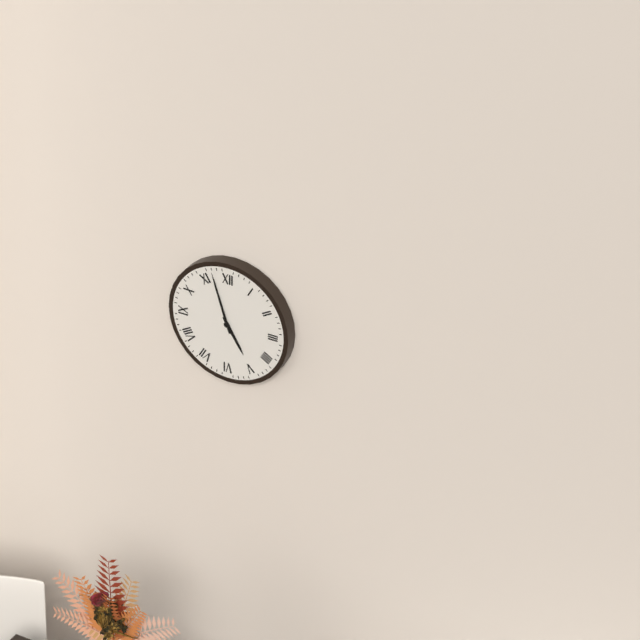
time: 4:57
